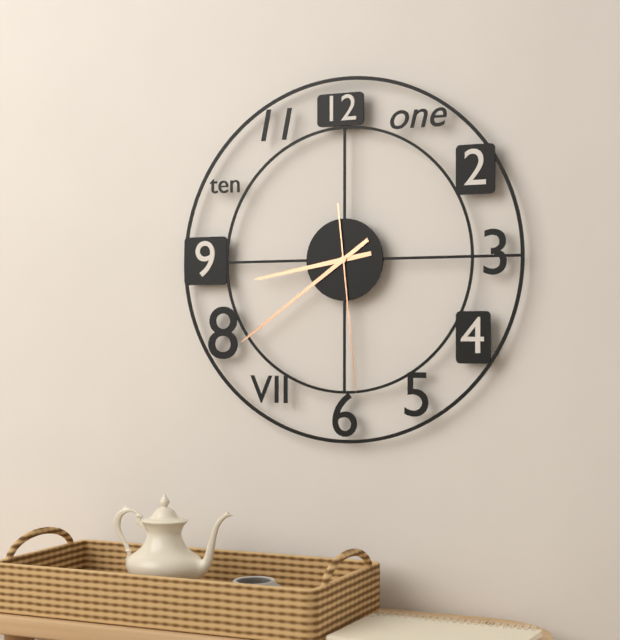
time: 8:39:29
